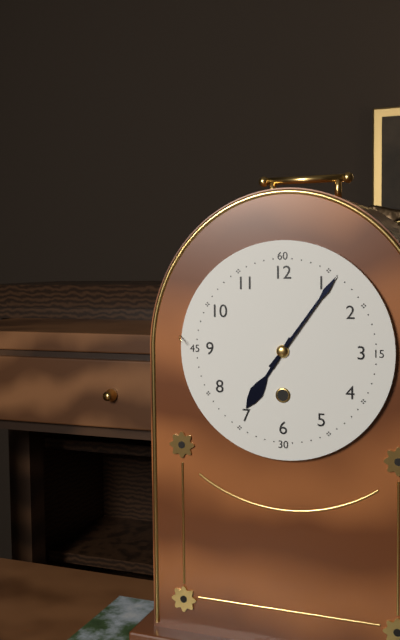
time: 7:06
